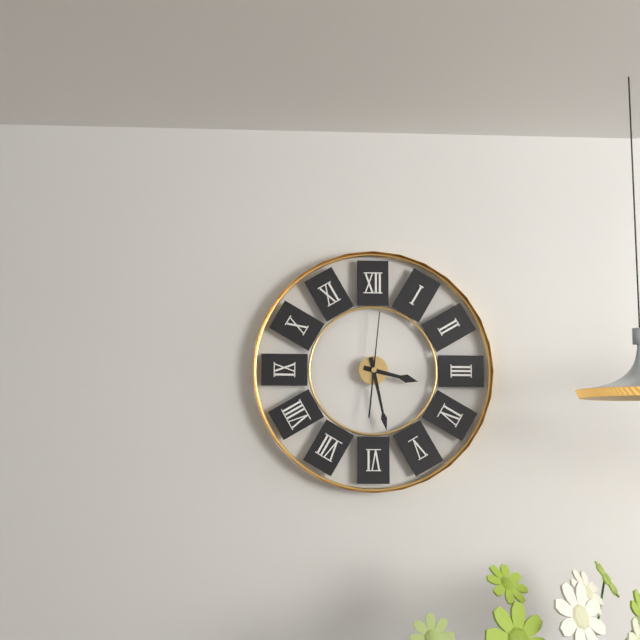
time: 3:28:01
